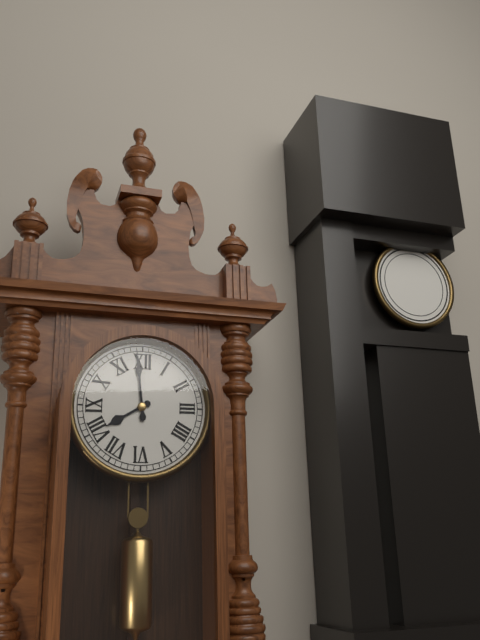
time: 7:59
